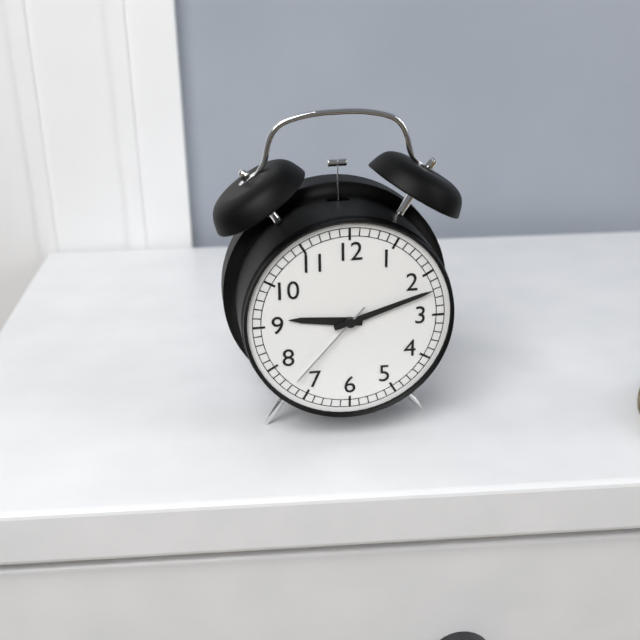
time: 9:12:37
